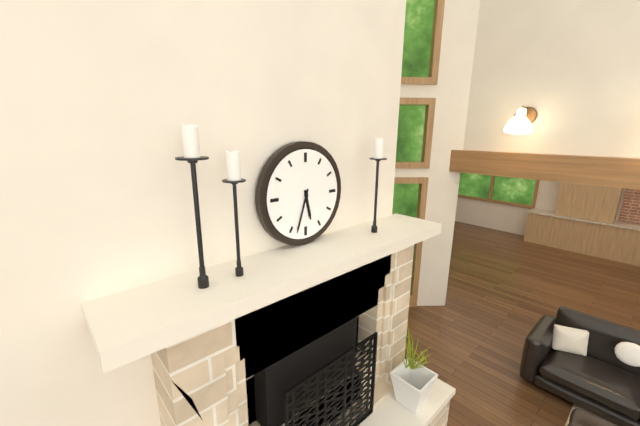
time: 5:33
